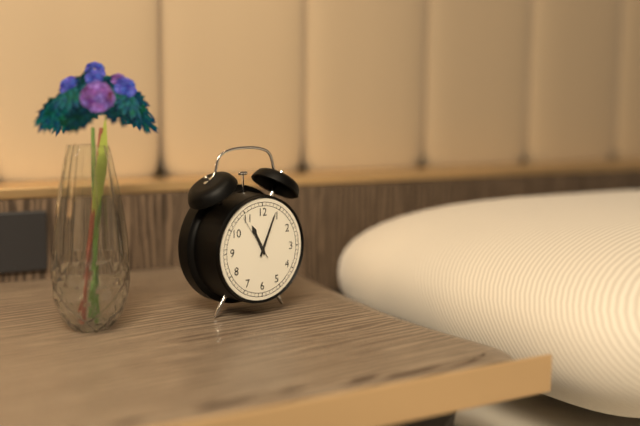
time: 11:04
